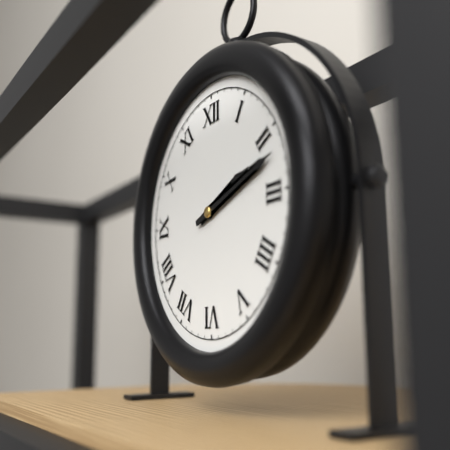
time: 2:12
